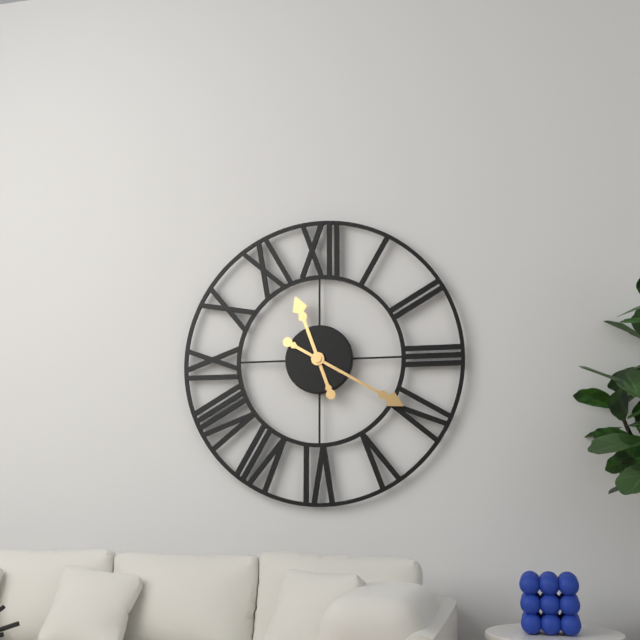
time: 11:20
